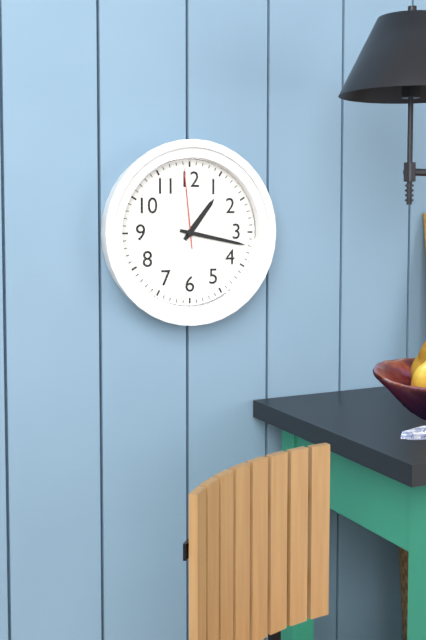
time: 1:17:59
